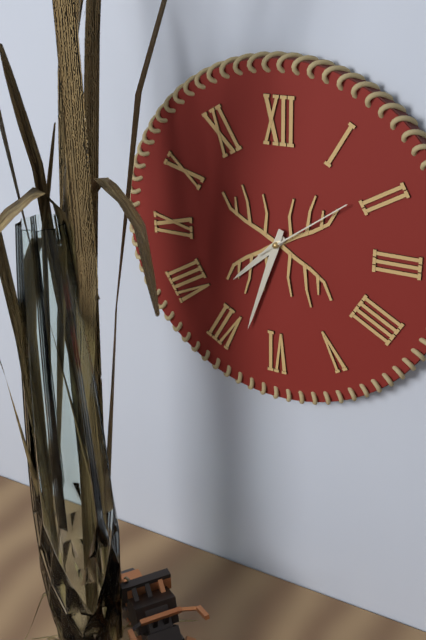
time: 7:33:09
